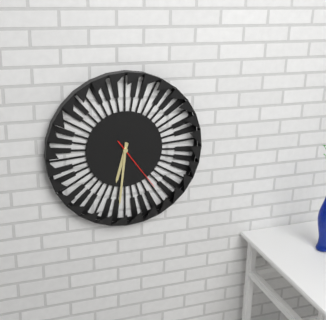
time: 6:31:24
